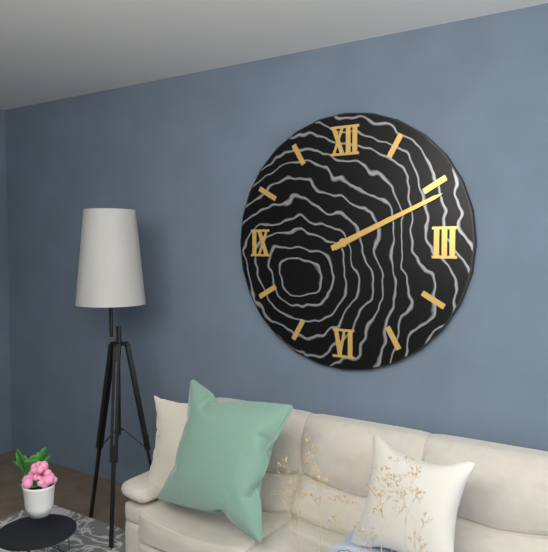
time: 2:11
